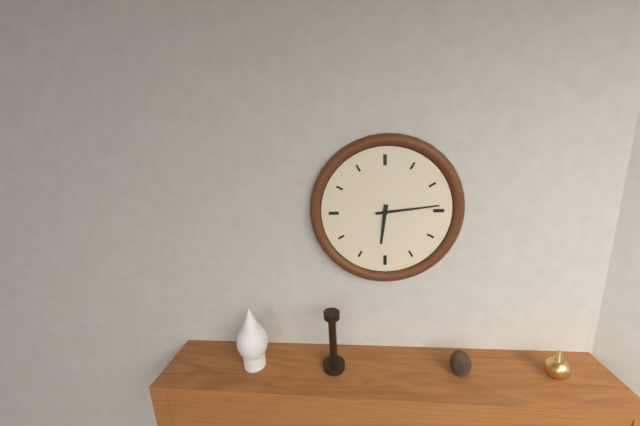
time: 6:14
